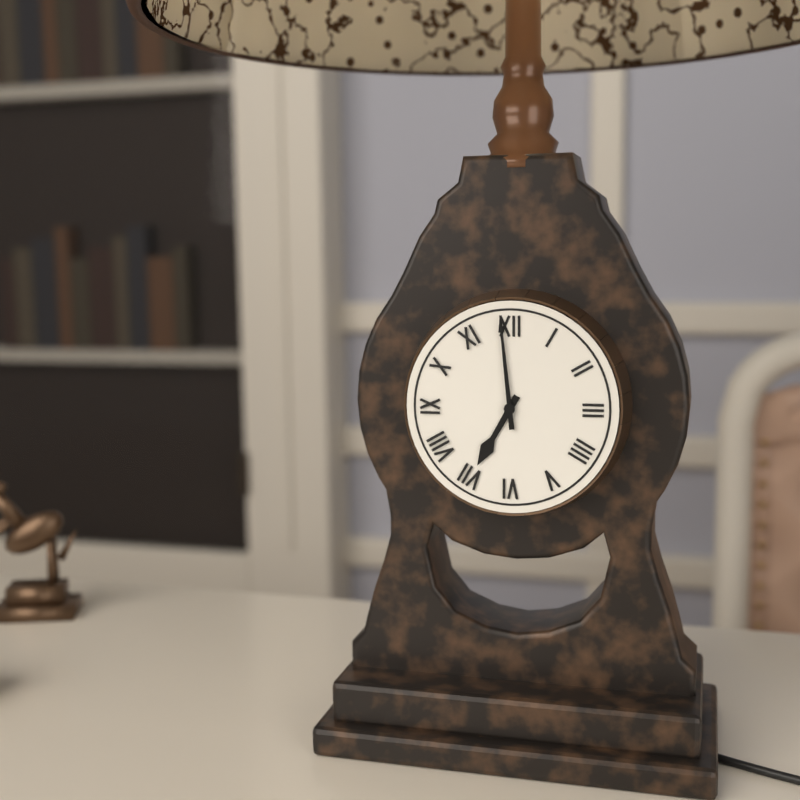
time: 6:59
